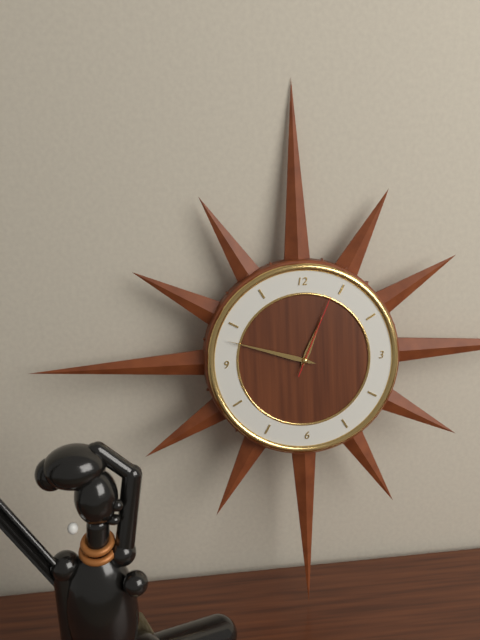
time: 12:48:04
